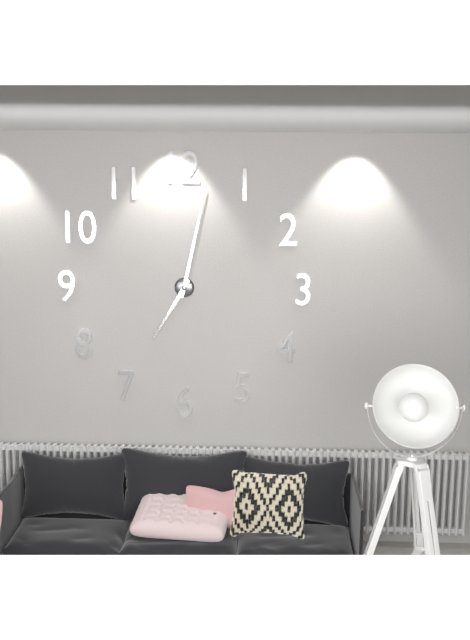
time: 7:02
